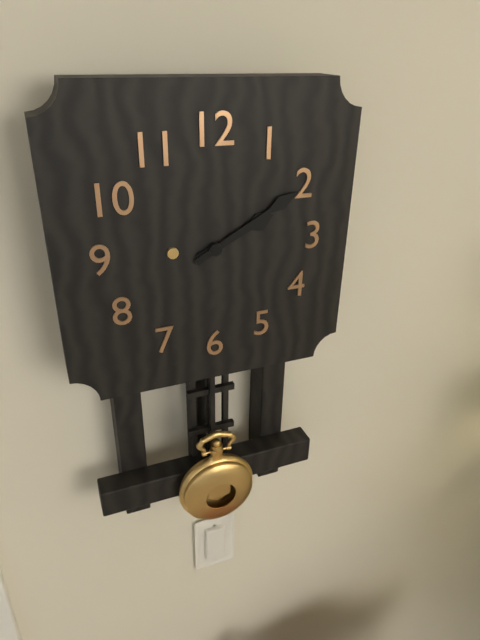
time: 2:10
